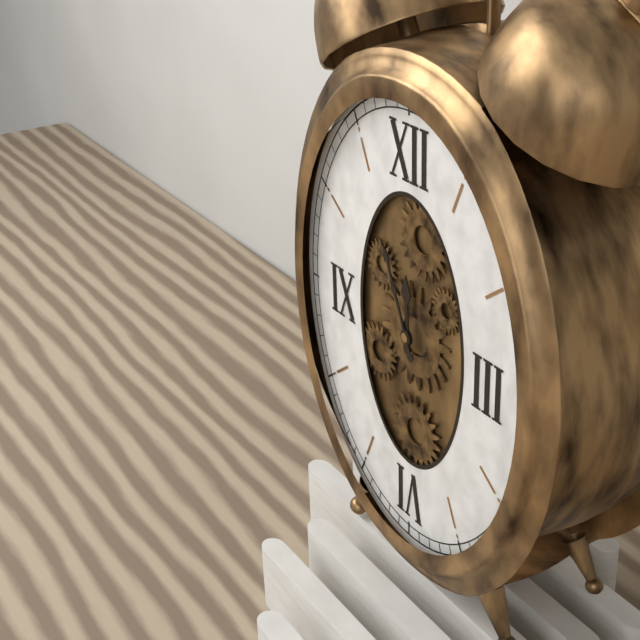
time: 11:56
